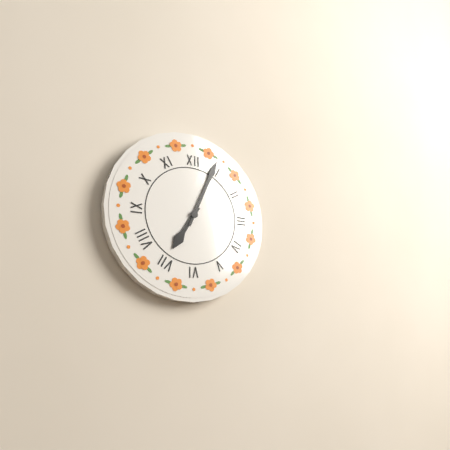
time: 7:04
